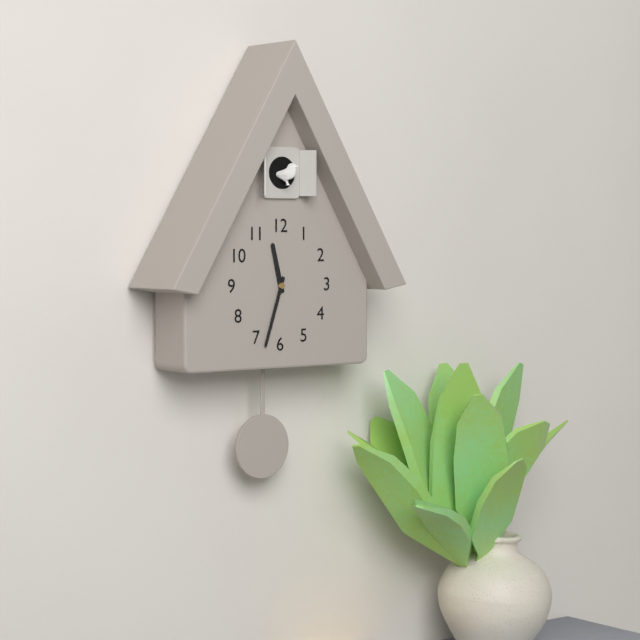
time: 11:33
